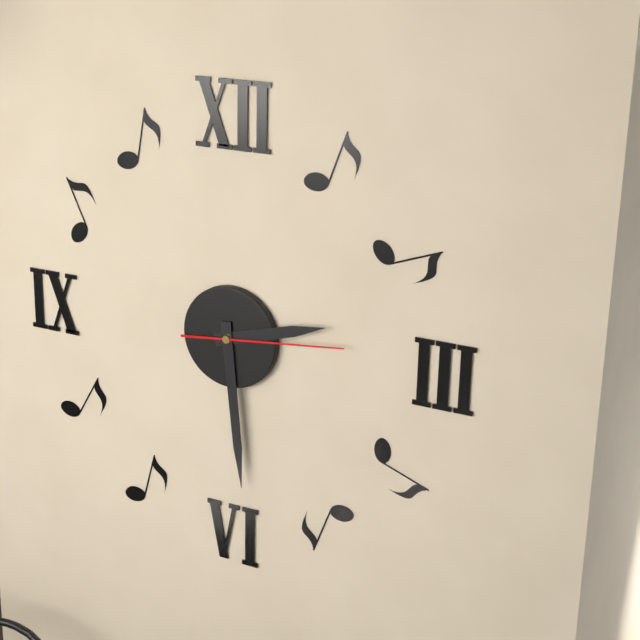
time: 2:29:14
